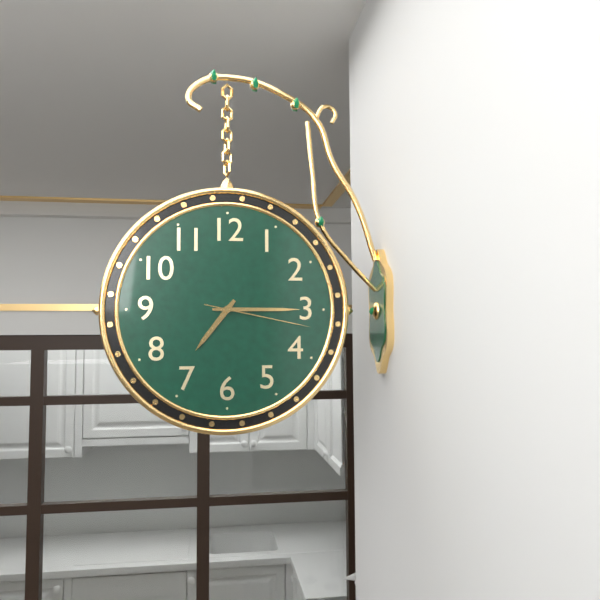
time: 7:15:17
